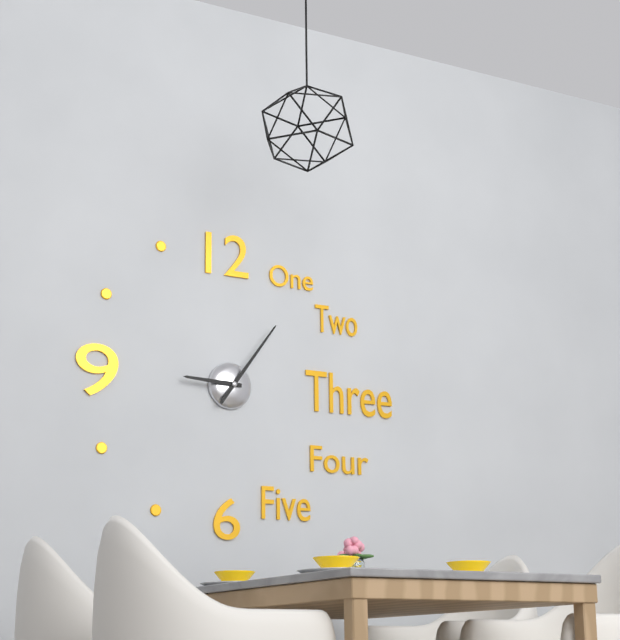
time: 9:06
